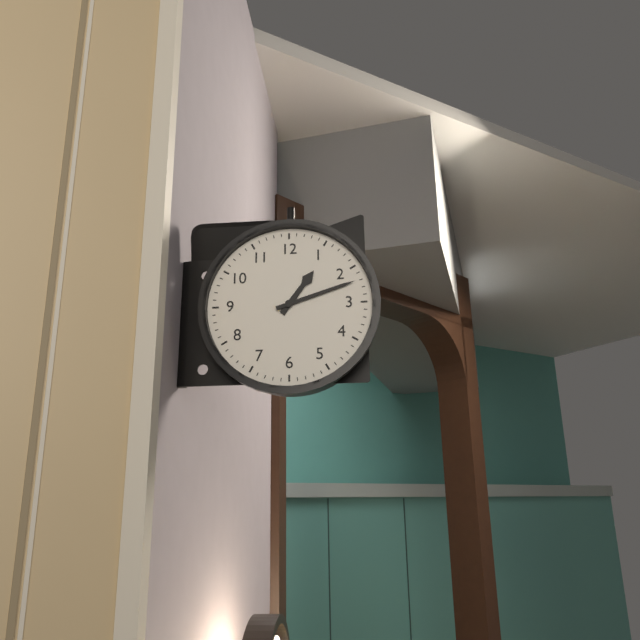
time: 1:12
